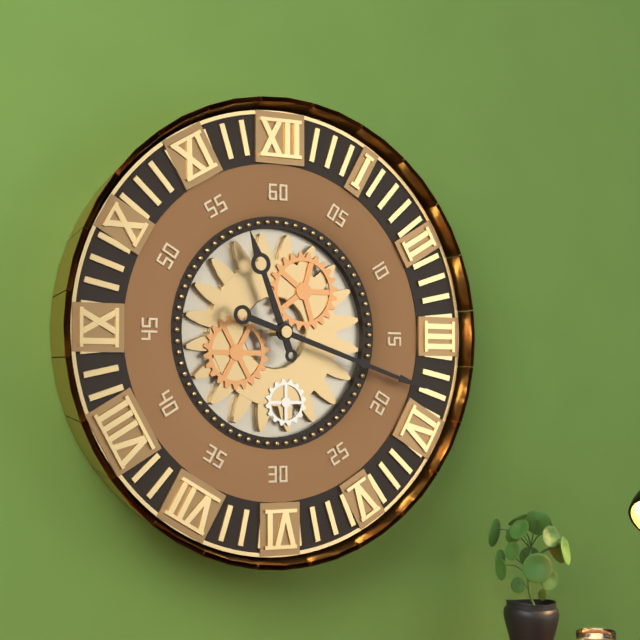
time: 11:18
